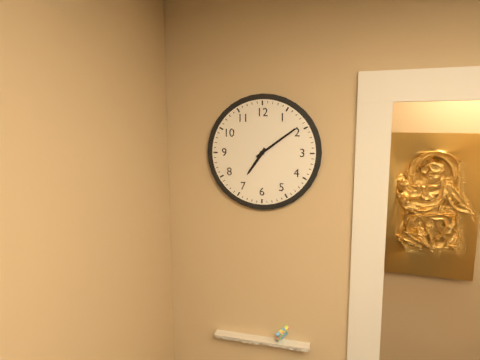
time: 7:09
